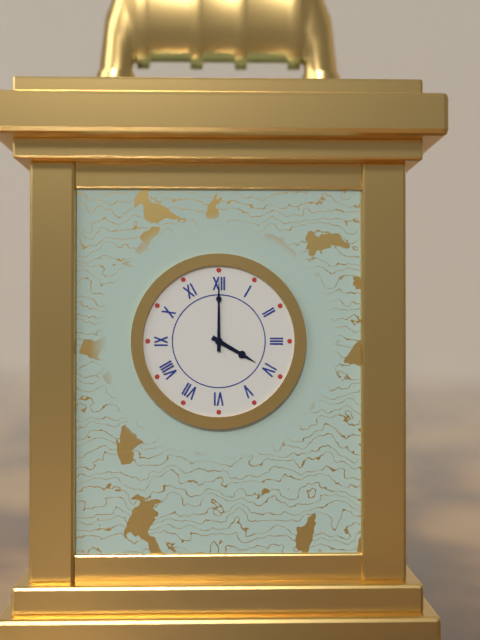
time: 4:00
